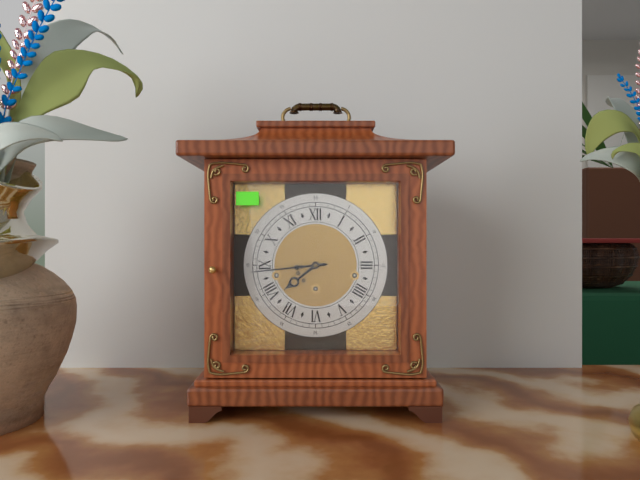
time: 7:44
